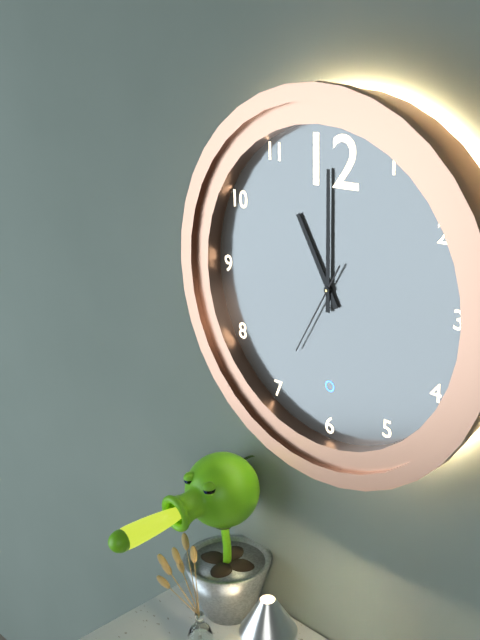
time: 11:00:35
